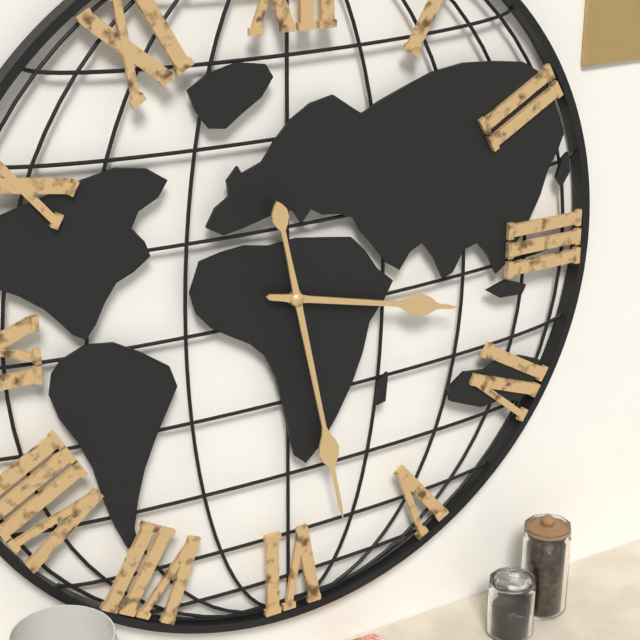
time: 3:28
